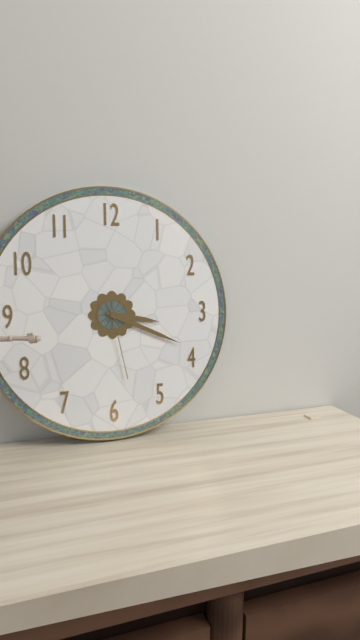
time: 3:19:28
